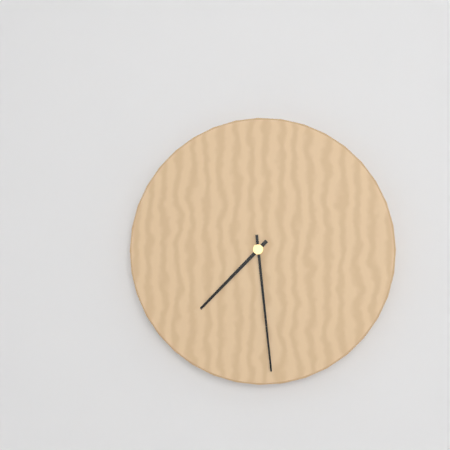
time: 7:29
